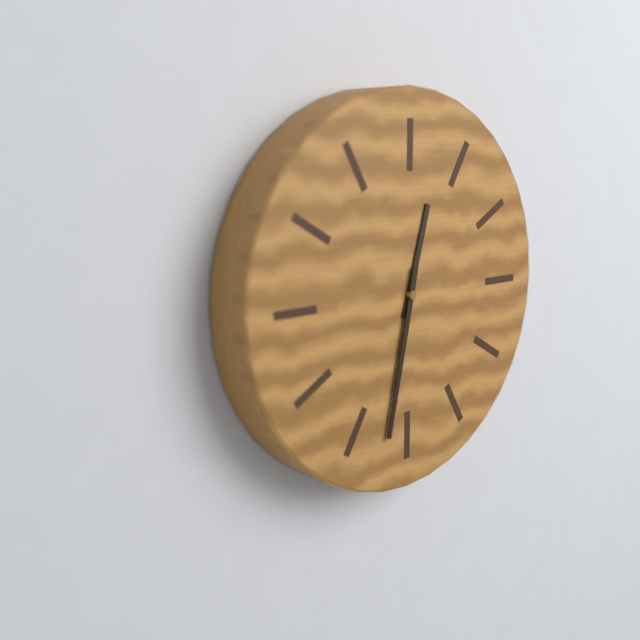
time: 12:32
